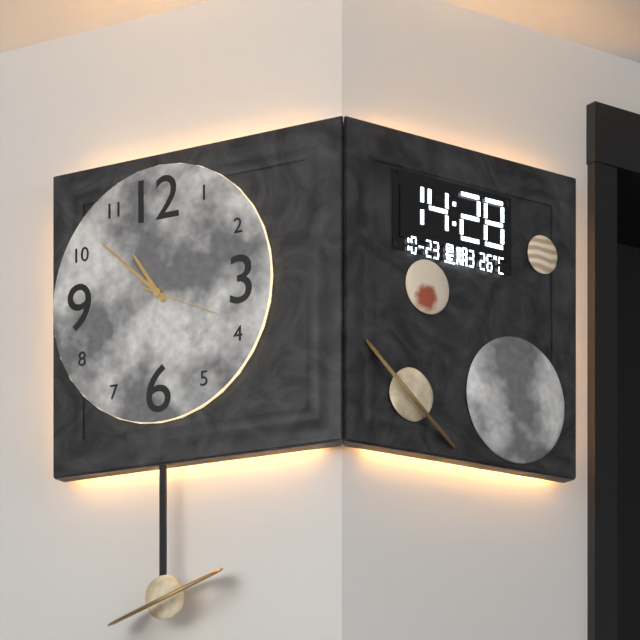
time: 10:52:19
